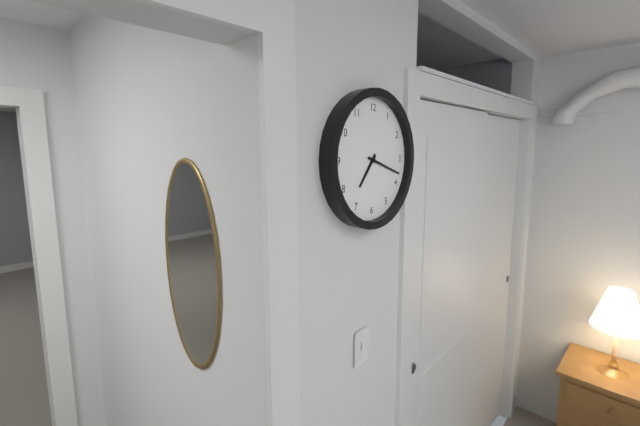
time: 7:18
